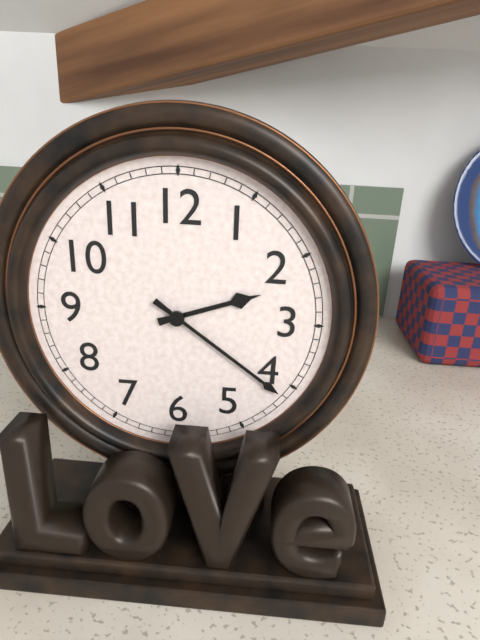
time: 2:21
